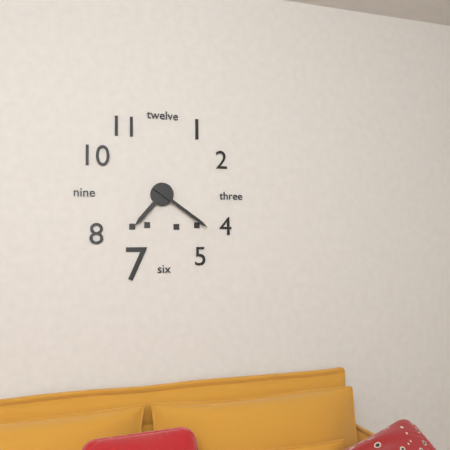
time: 7:21
